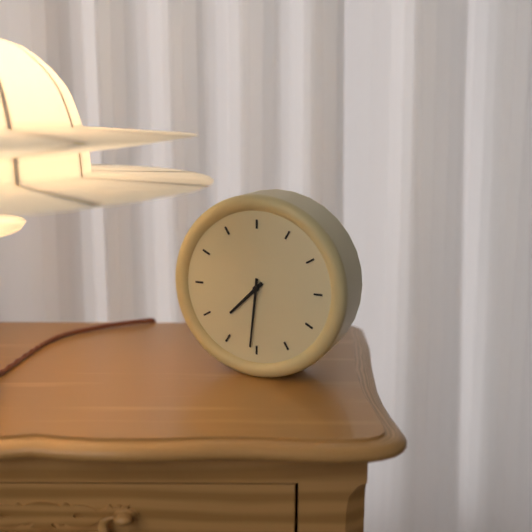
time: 7:31
